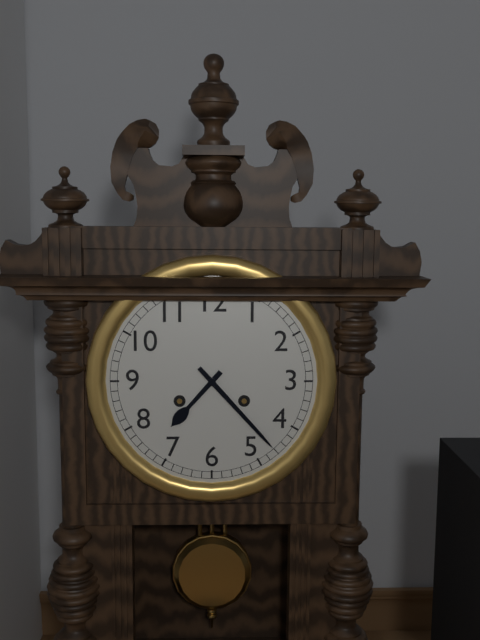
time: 7:23
